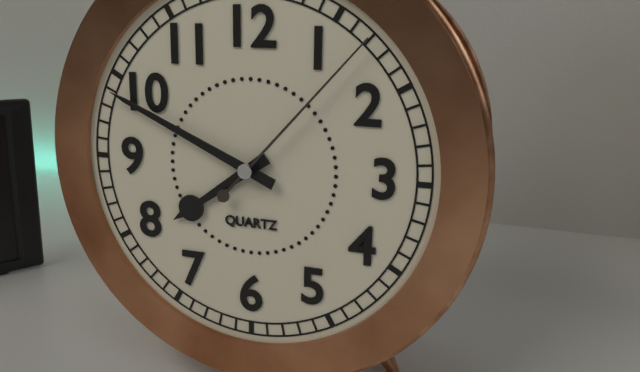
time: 7:49:07
